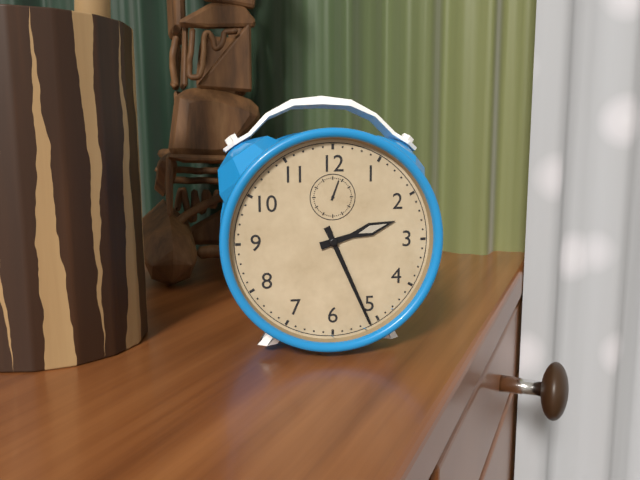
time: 2:26
